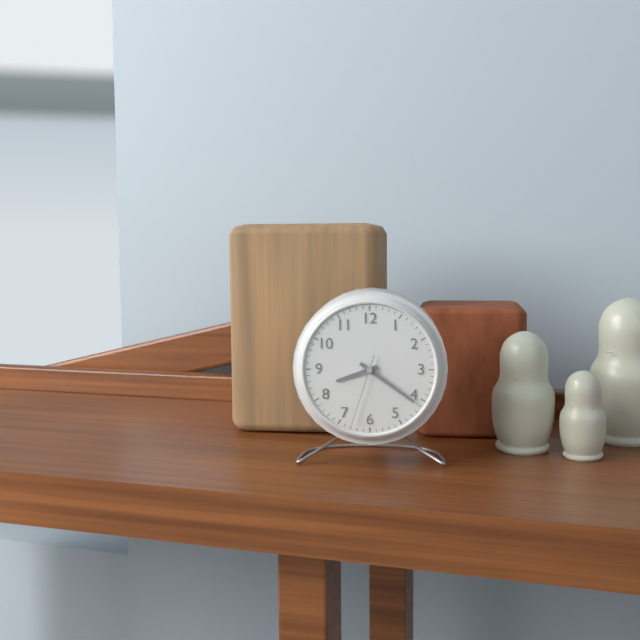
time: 8:21:33
